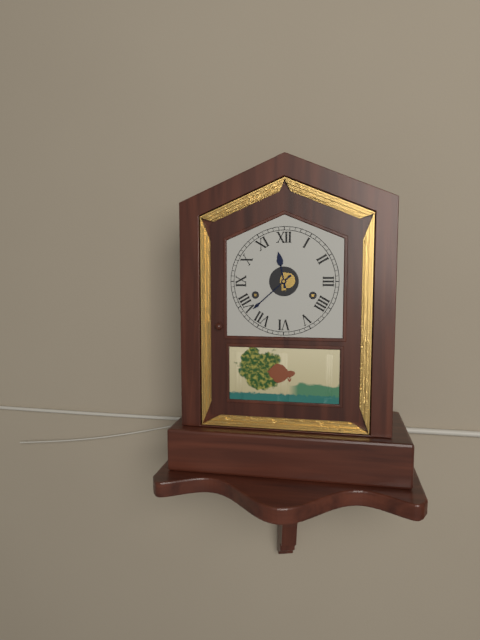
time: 11:38
